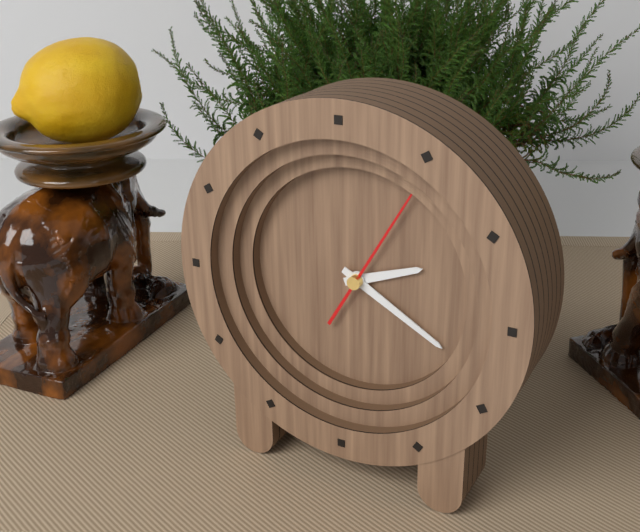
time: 2:20:05
